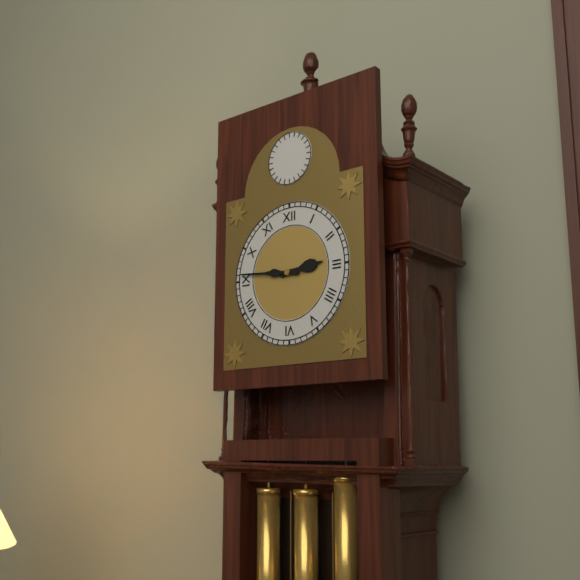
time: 2:46
